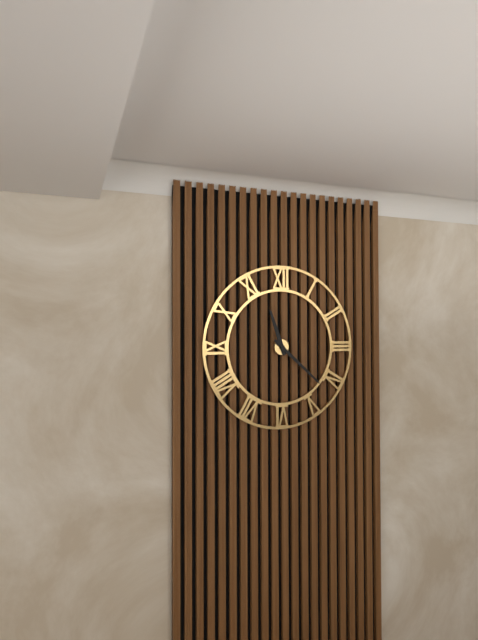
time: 11:22
